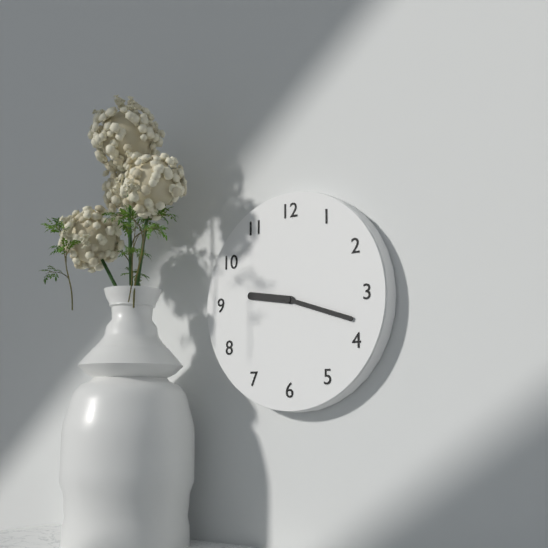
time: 9:18
